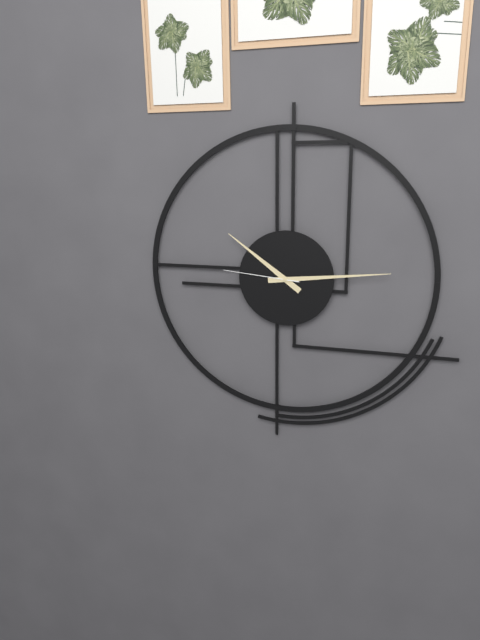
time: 10:14:46
